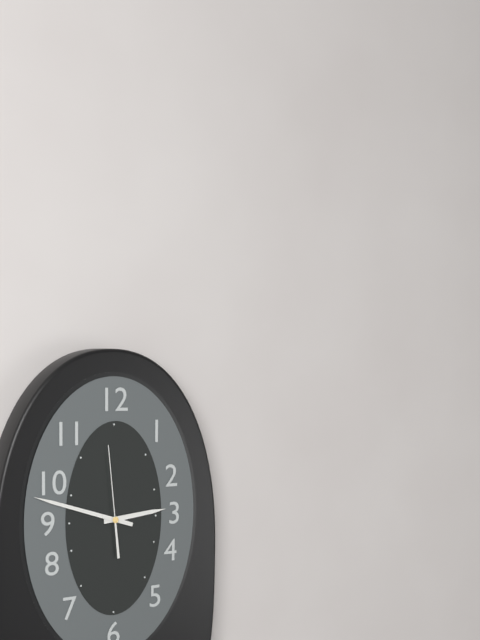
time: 2:48:59
